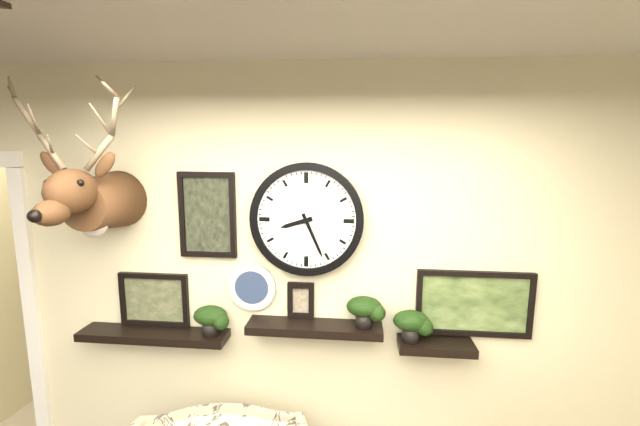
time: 8:26
